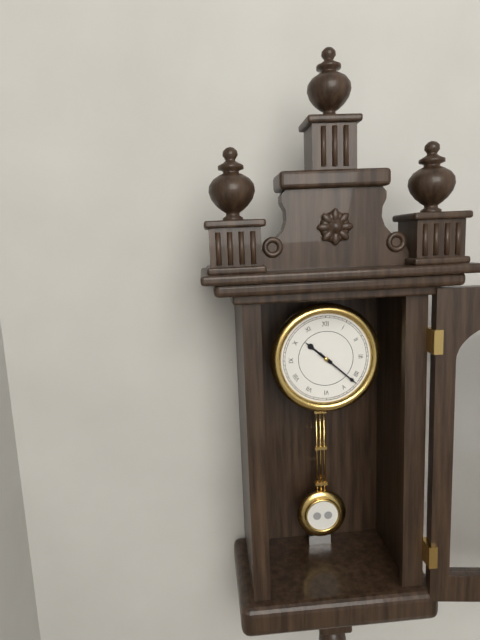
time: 10:22
